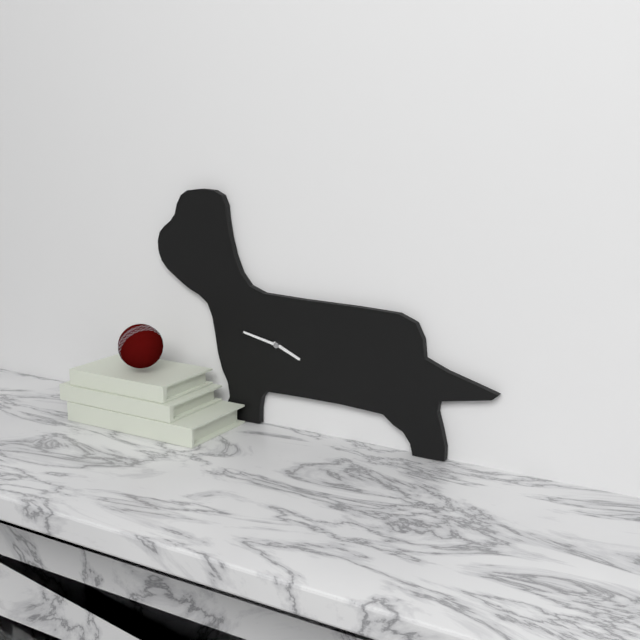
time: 3:47
